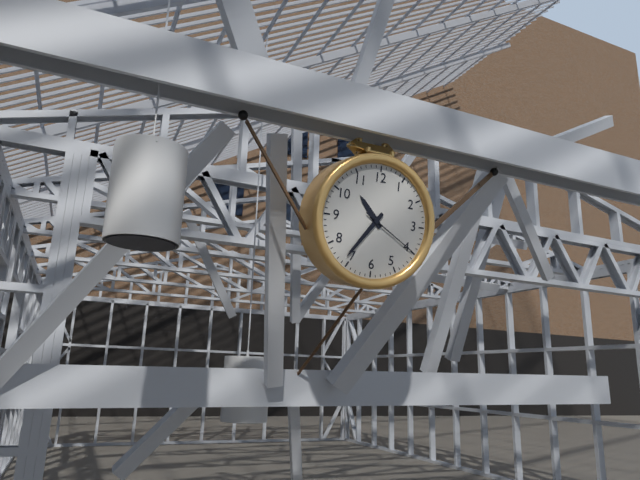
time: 10:36:20
